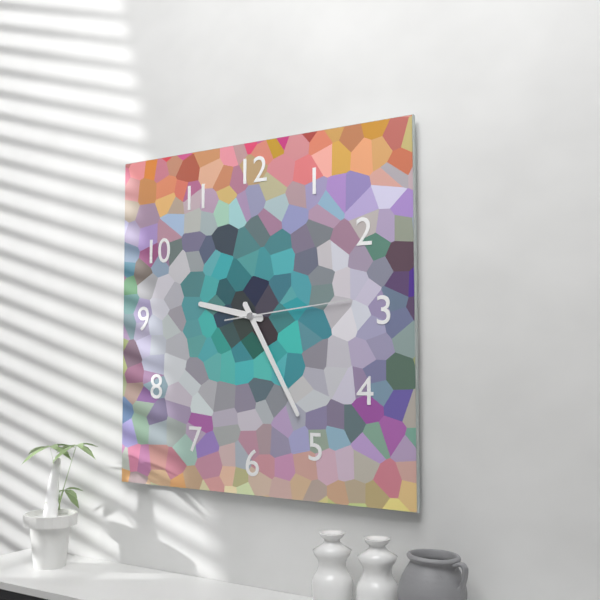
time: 9:25:14
